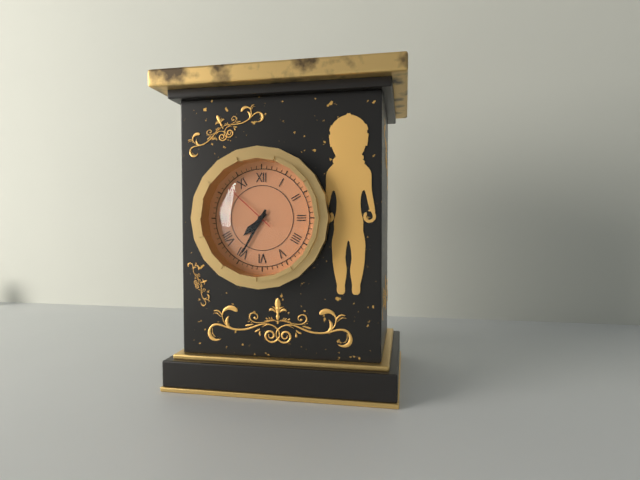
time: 7:35:52
